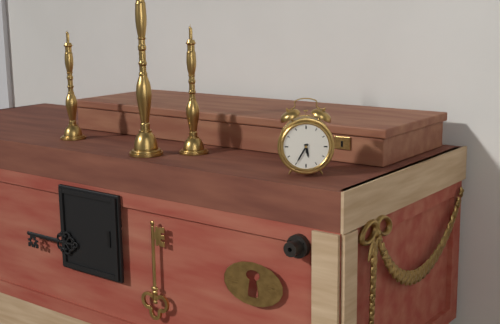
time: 5:35
